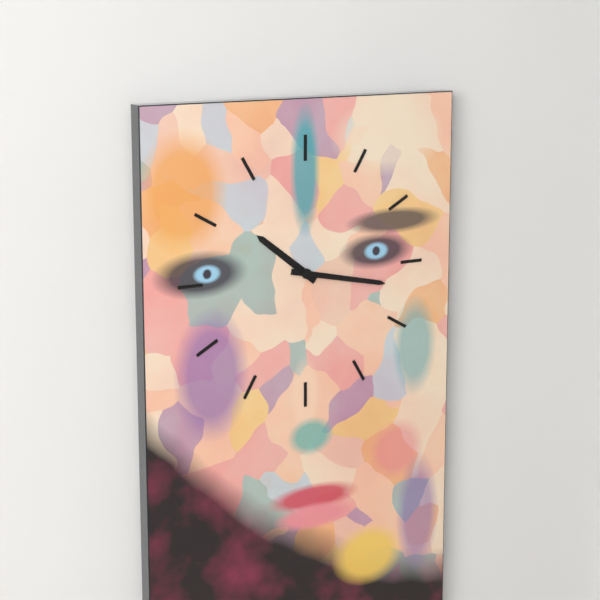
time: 10:17
